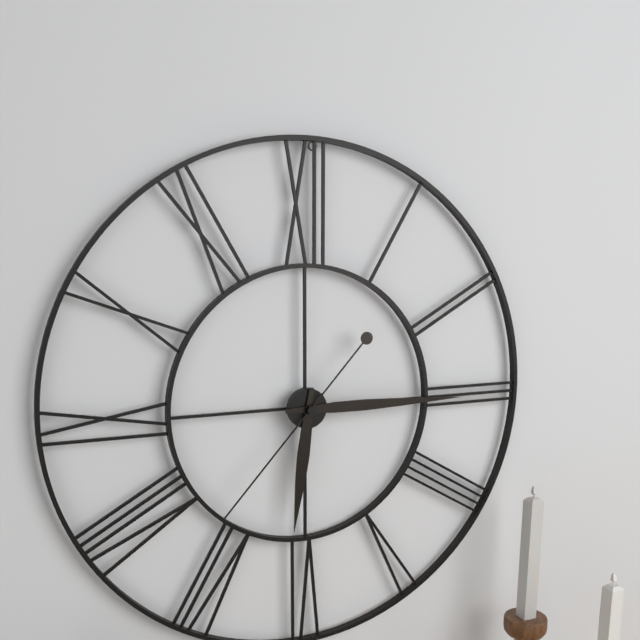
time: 6:15:37
